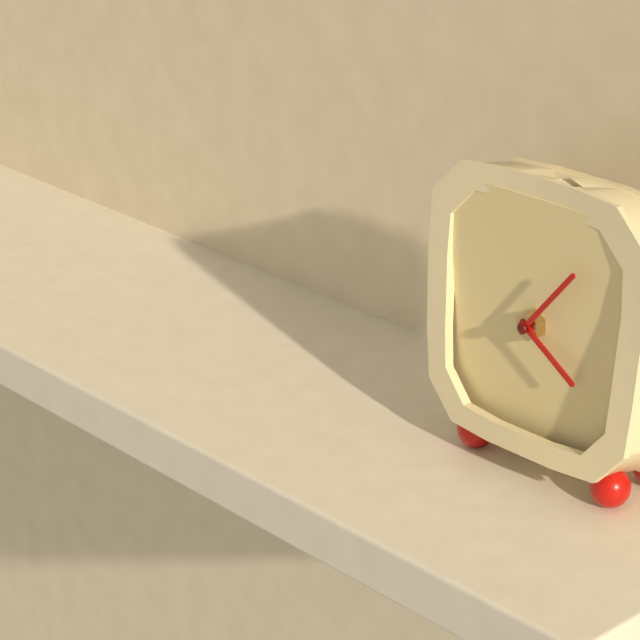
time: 4:07
